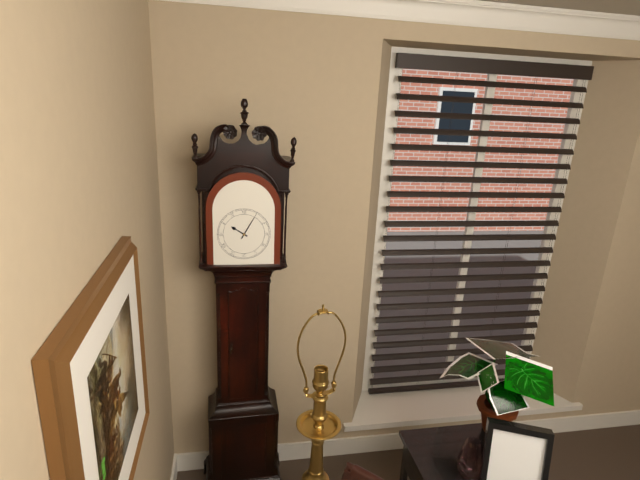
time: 10:05
